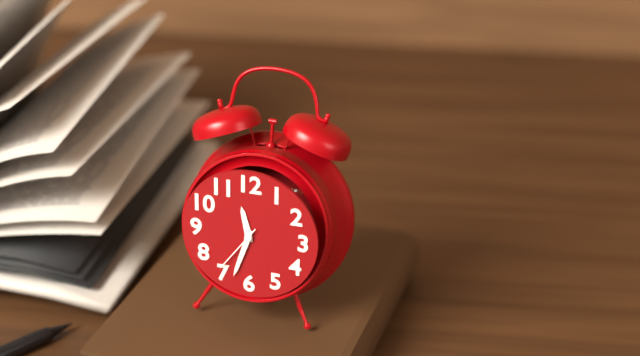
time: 11:33:36
